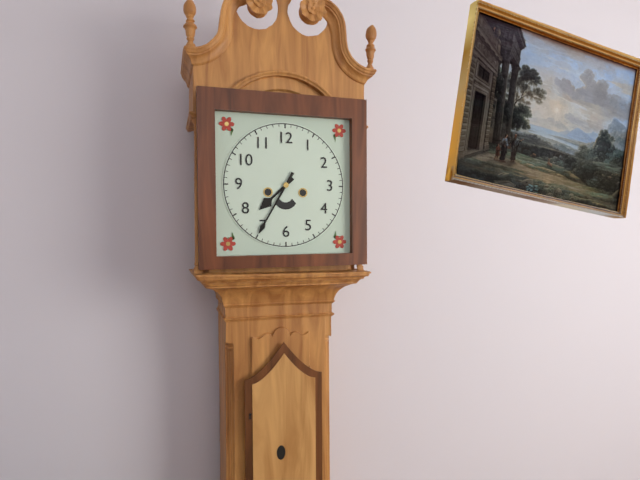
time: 7:35
